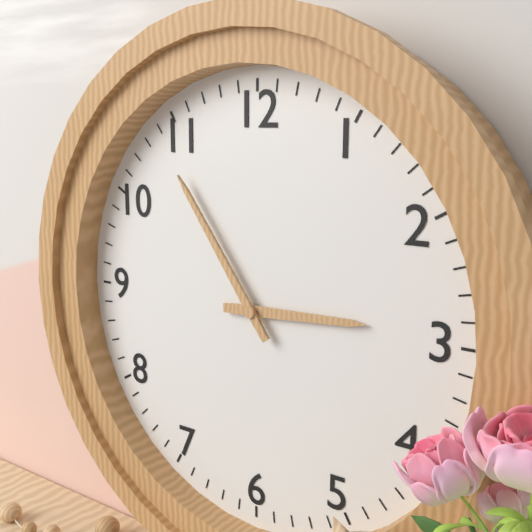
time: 2:54
